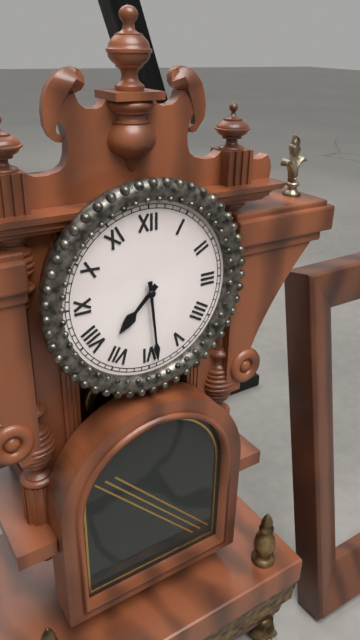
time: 7:29
